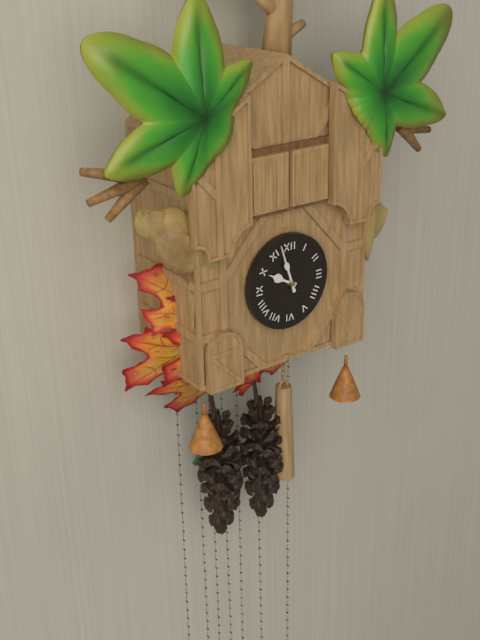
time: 9:57
